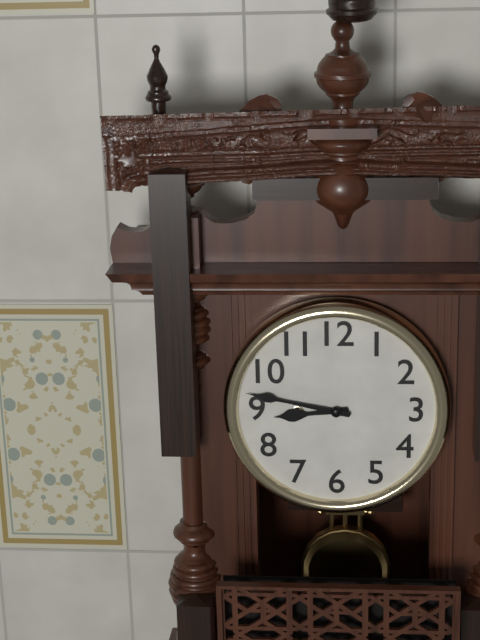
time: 8:47
